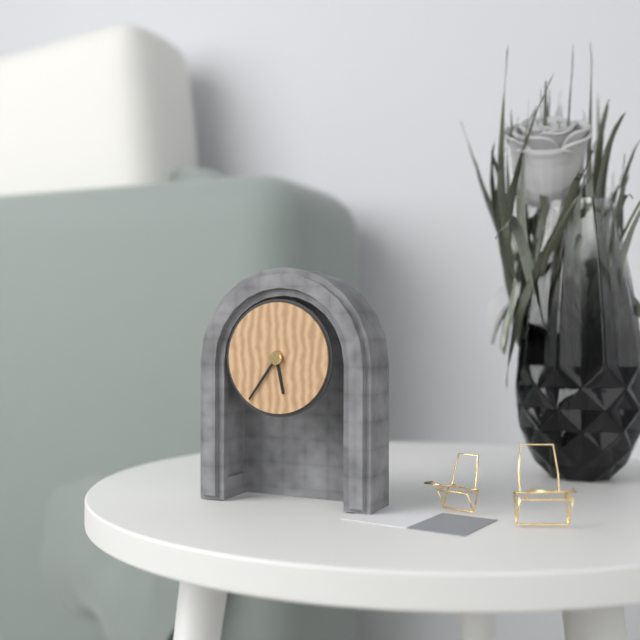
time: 5:36
